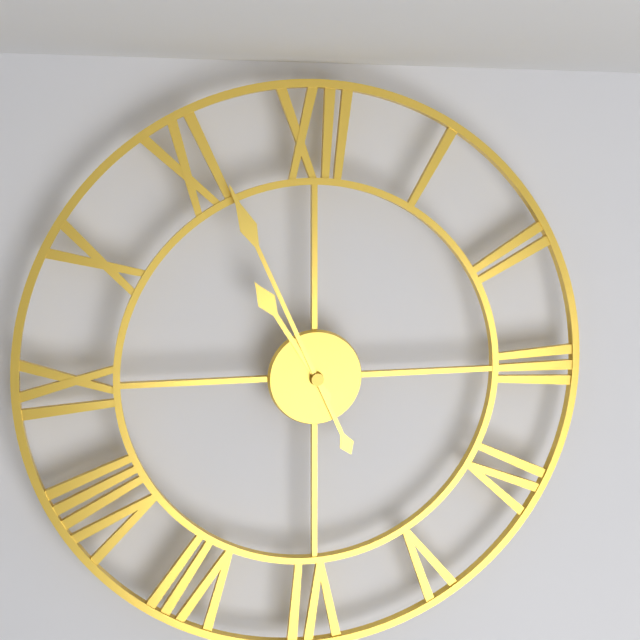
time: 10:56
